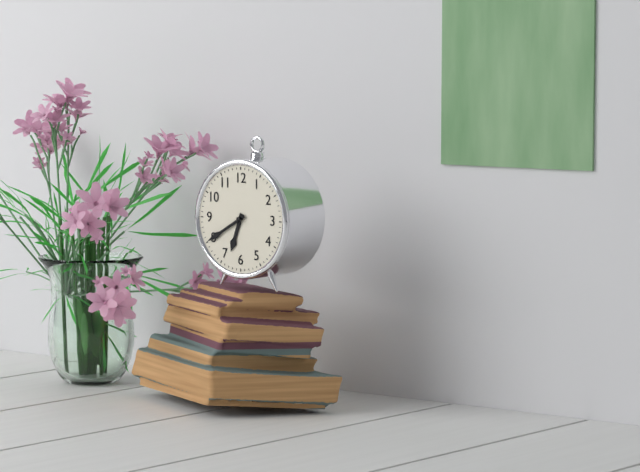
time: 6:40
